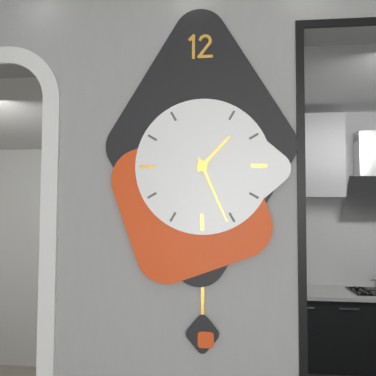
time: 1:26
